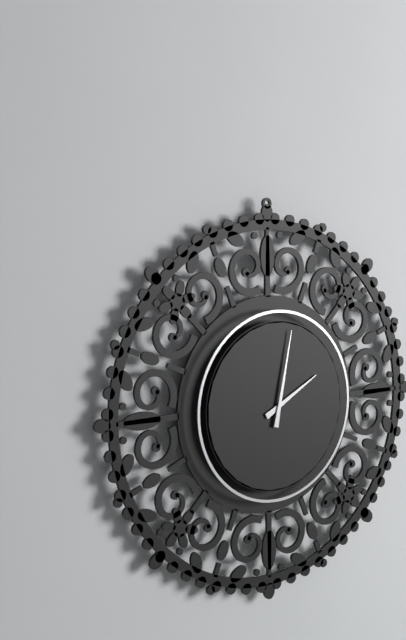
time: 2:02
